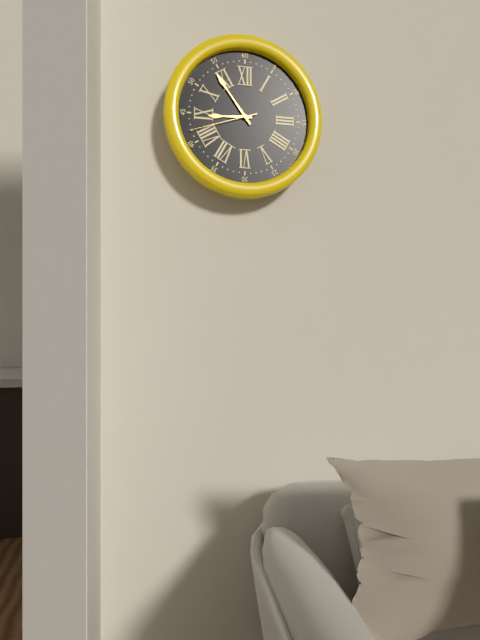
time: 8:54:42
